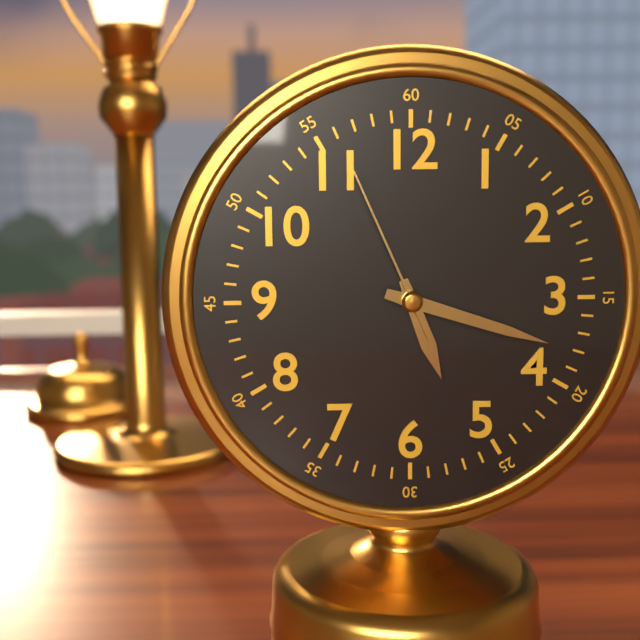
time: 5:18:56
